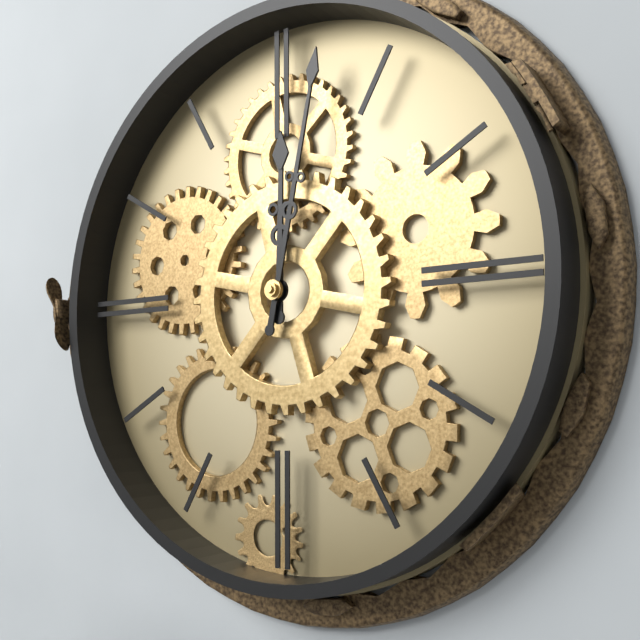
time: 12:02
